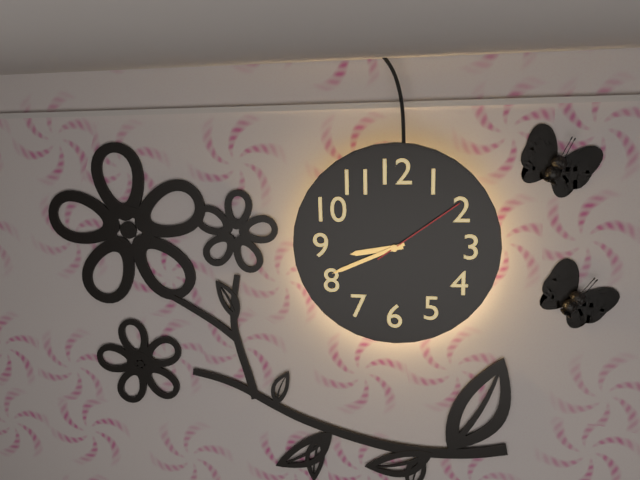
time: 8:41:09
